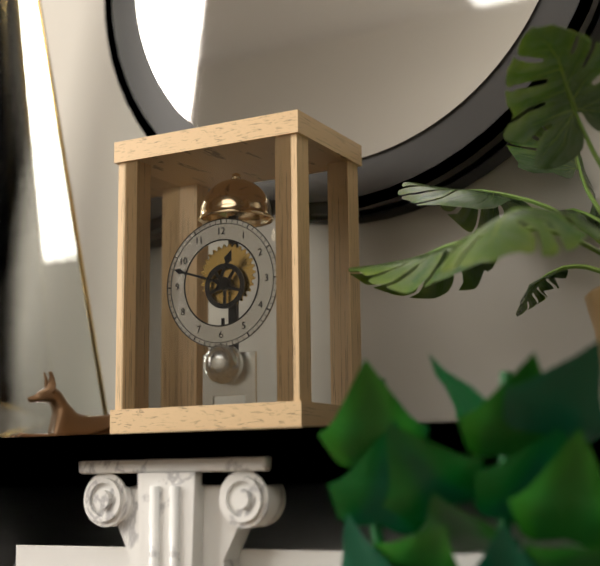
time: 12:48
